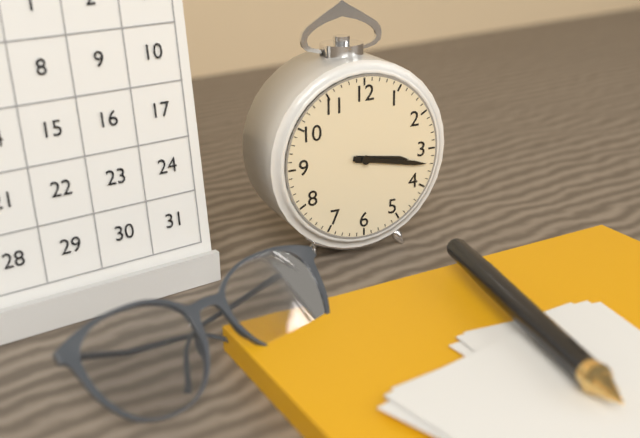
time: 3:17
